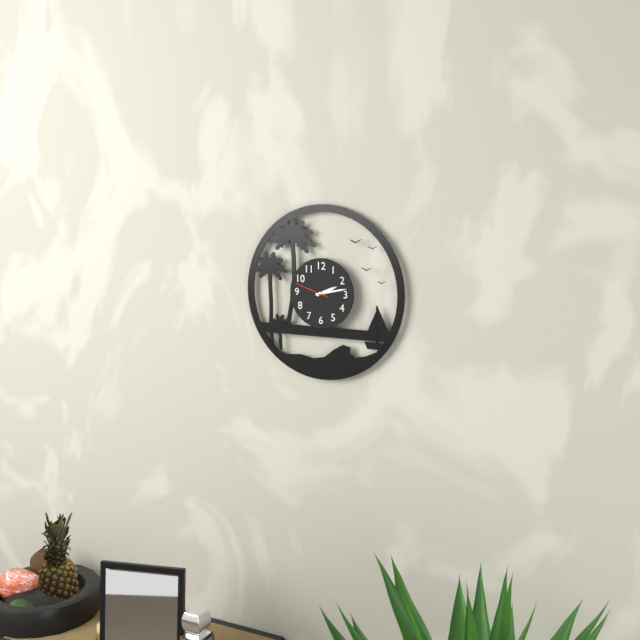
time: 2:13
